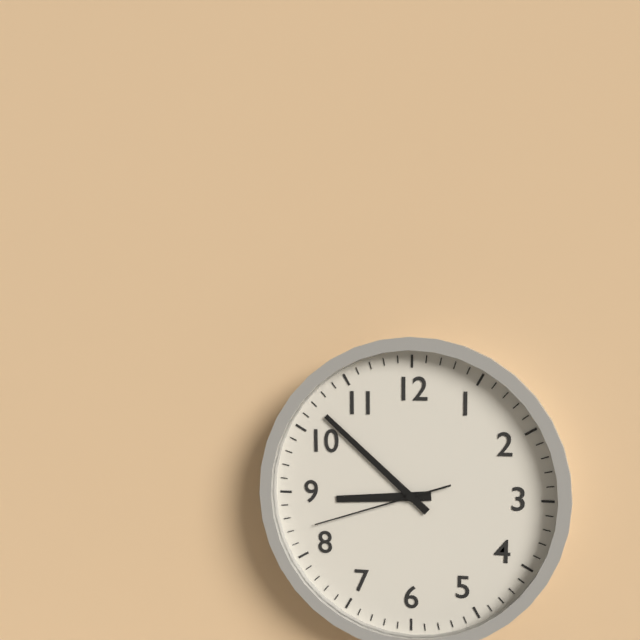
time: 8:52:42
